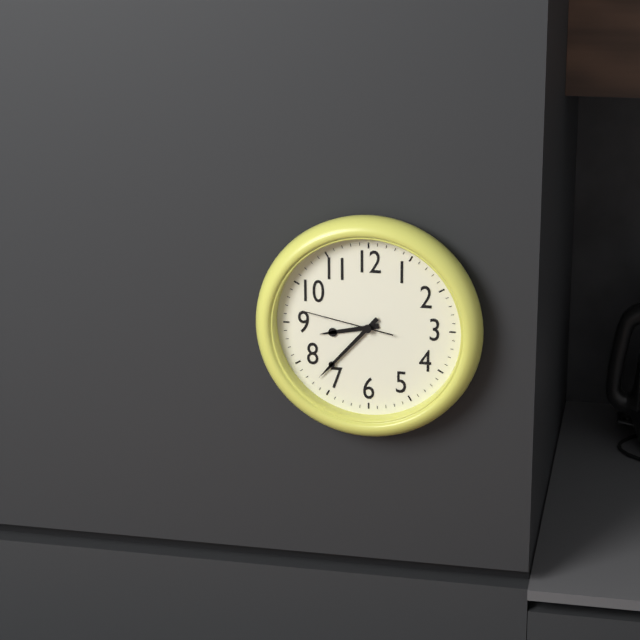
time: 8:37:47
